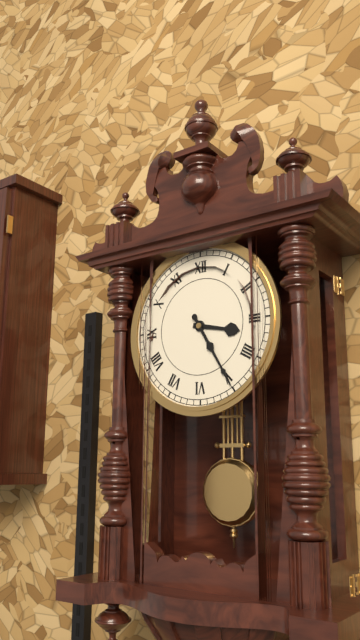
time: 3:25
